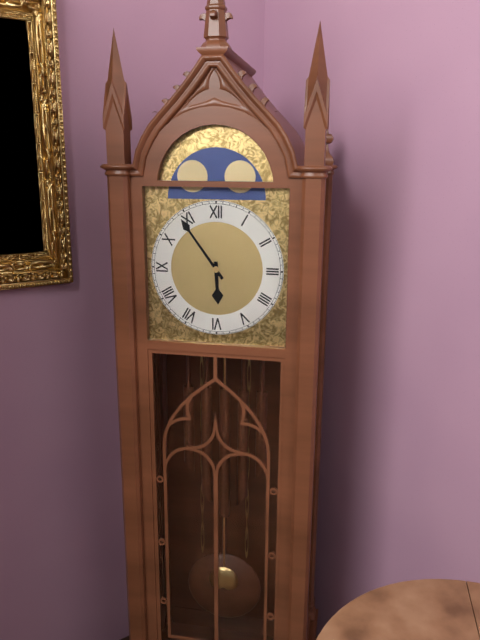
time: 5:54
